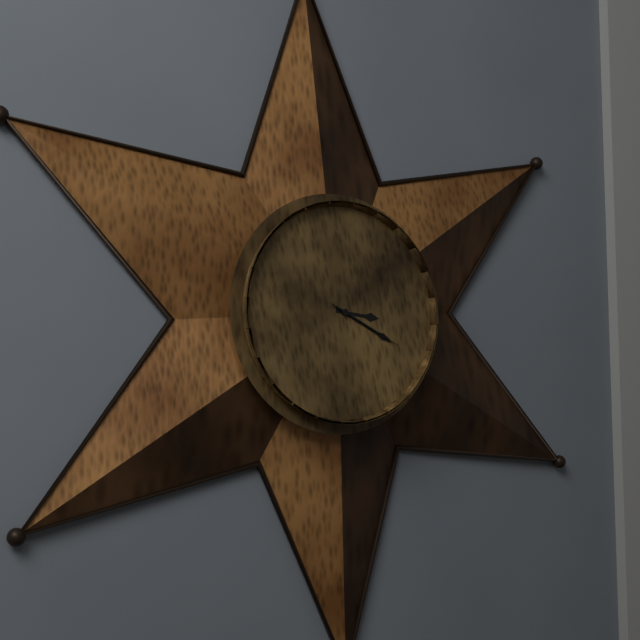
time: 3:20:20
